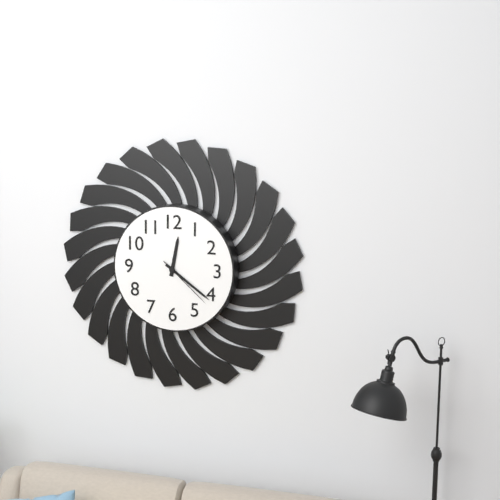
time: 12:21:22
